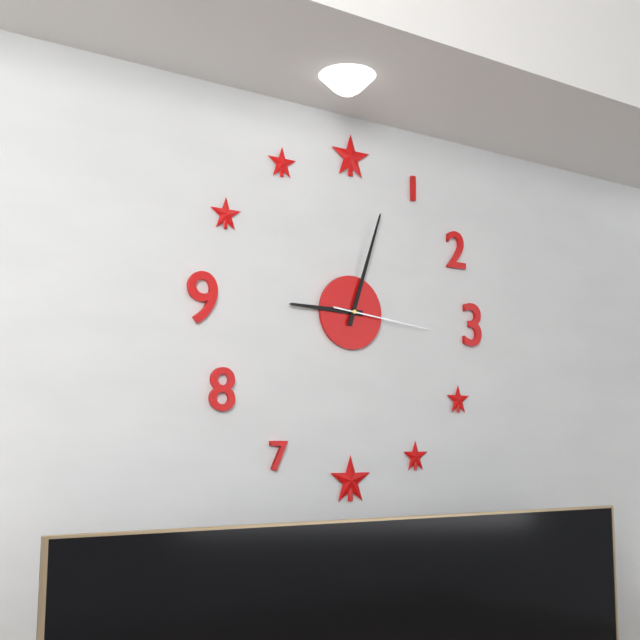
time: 9:03:16
